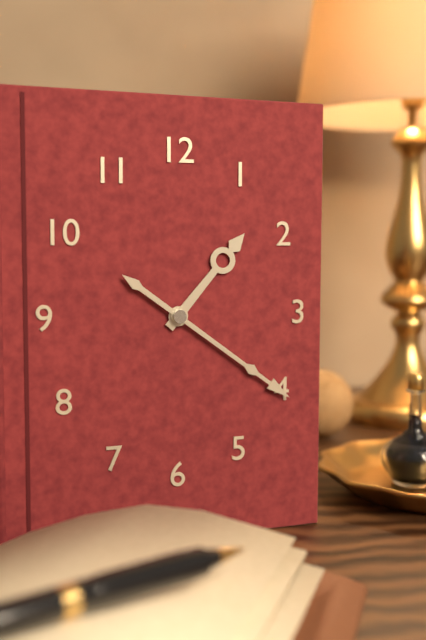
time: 1:21
